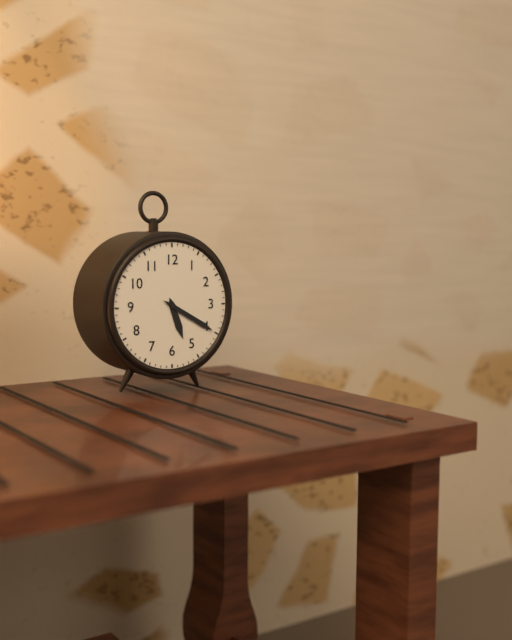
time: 5:20
